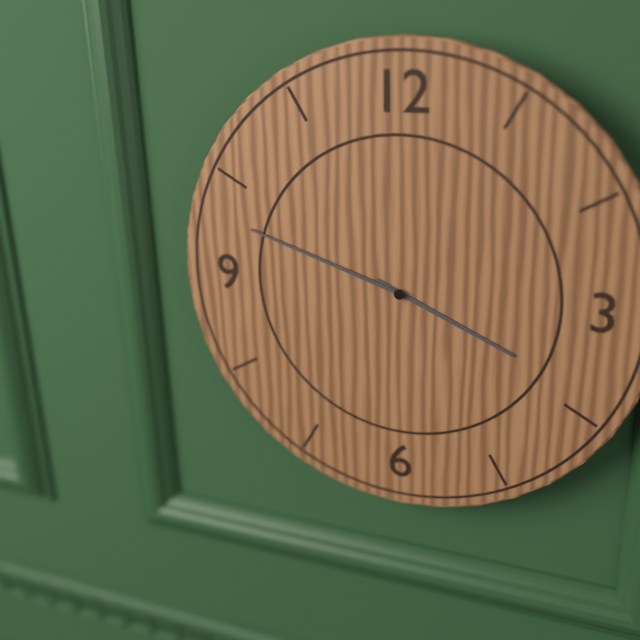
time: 3:48
